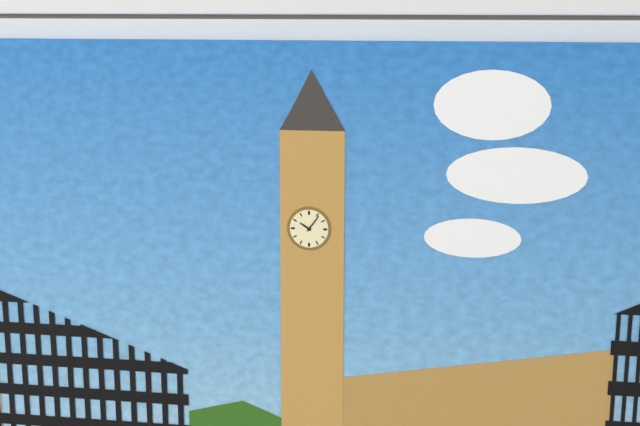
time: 10:06
